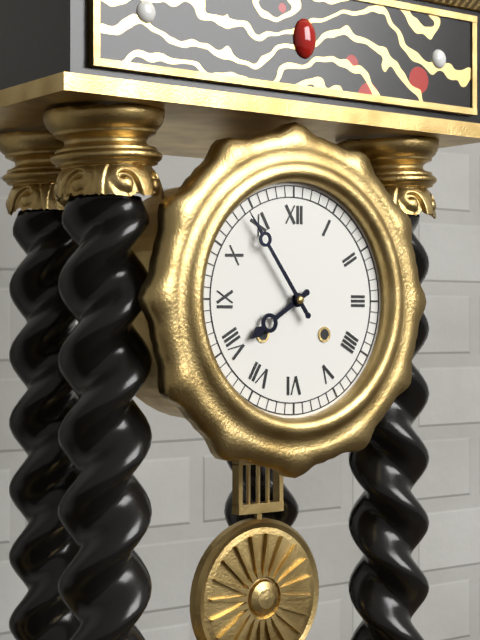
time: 7:54
